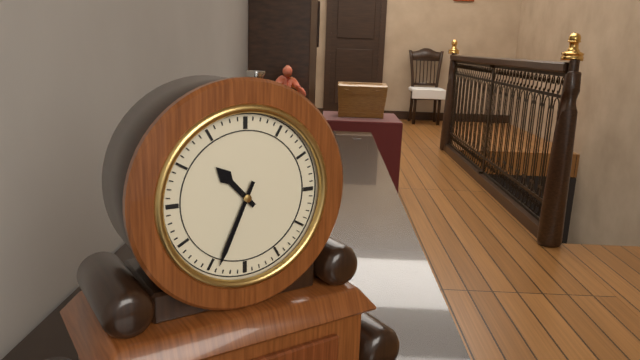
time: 10:34
